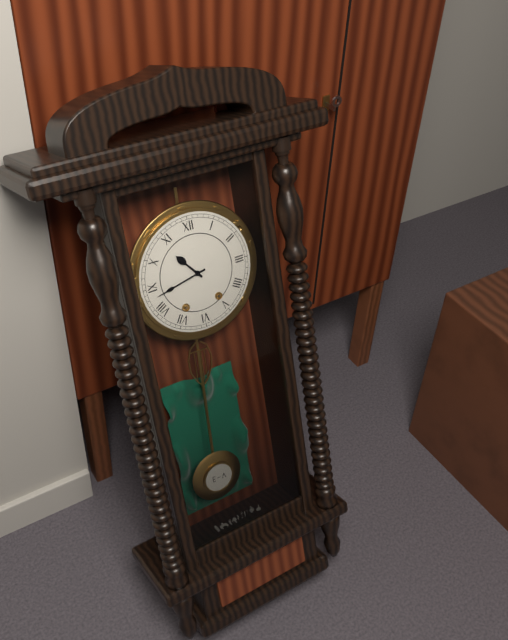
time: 10:43
